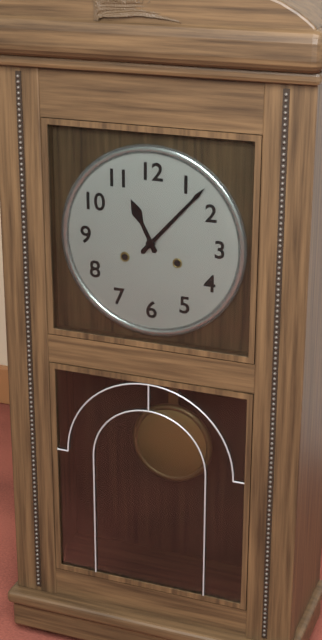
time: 11:07
